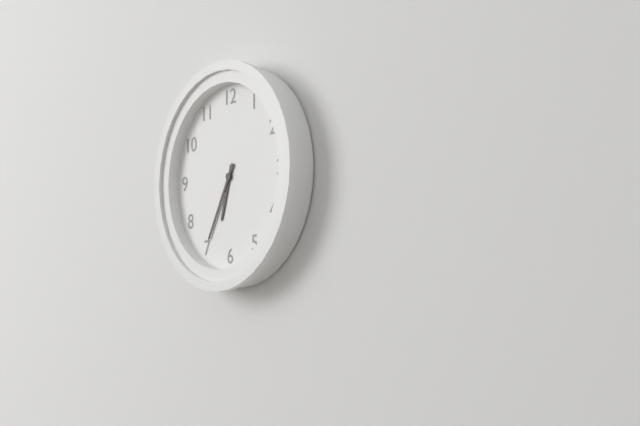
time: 6:35
